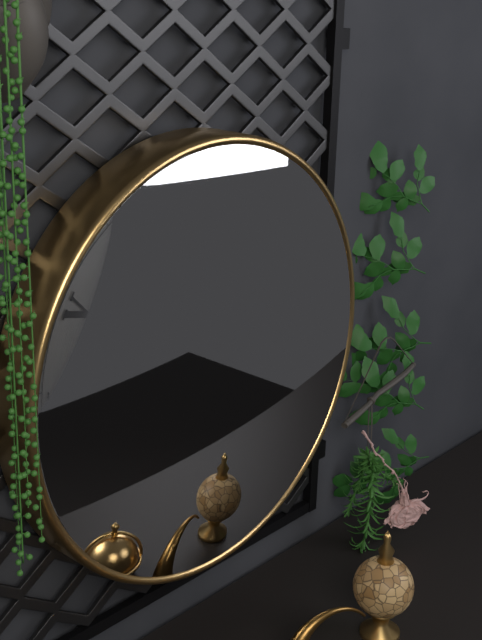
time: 9:04
